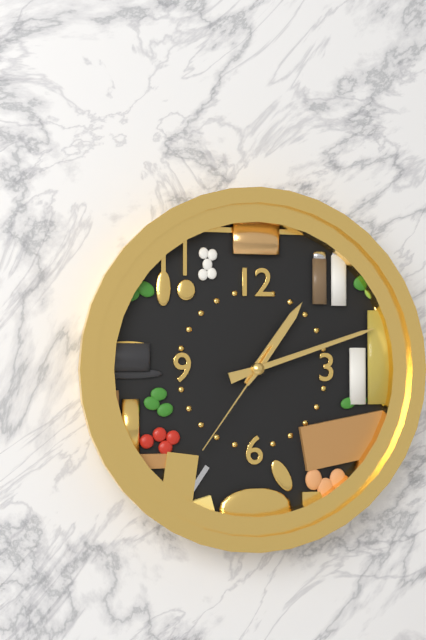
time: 1:12:36
